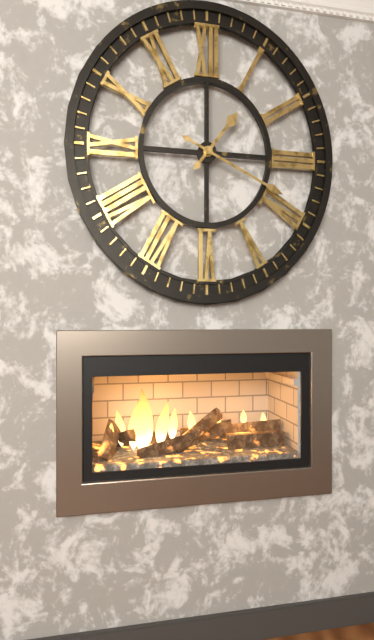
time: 1:19
